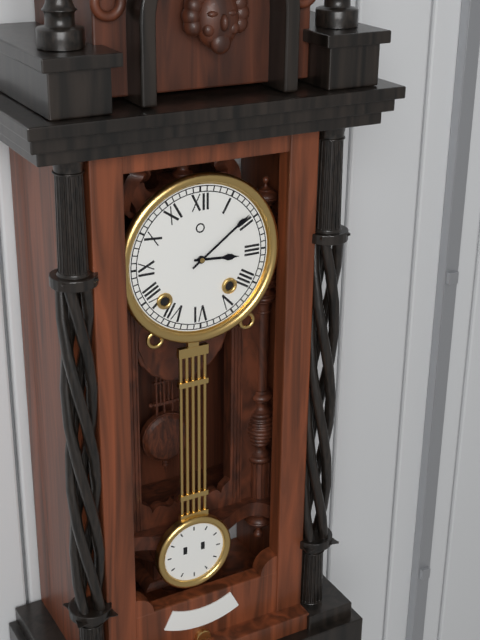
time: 3:09
